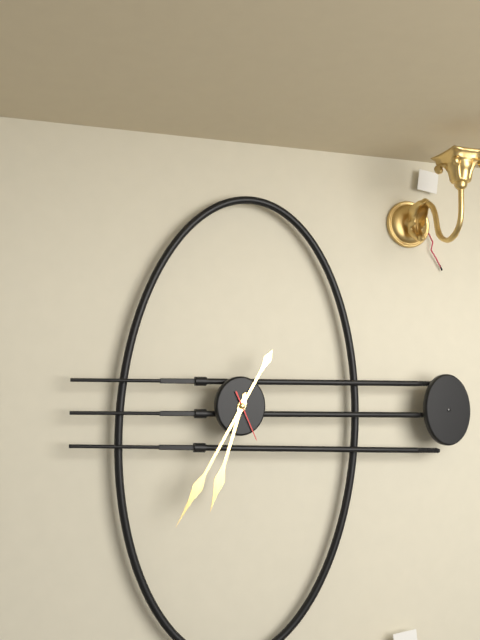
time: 6:35
